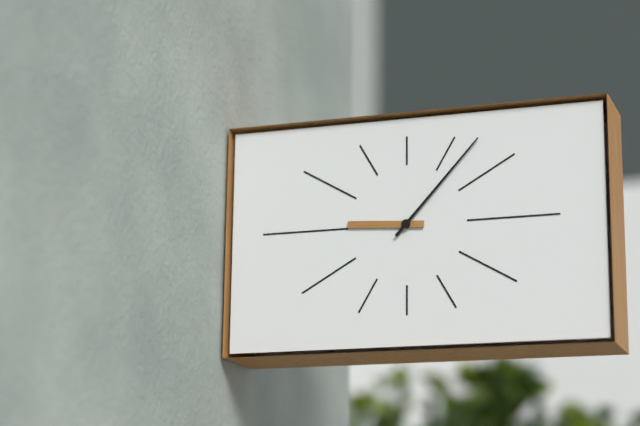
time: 9:07
